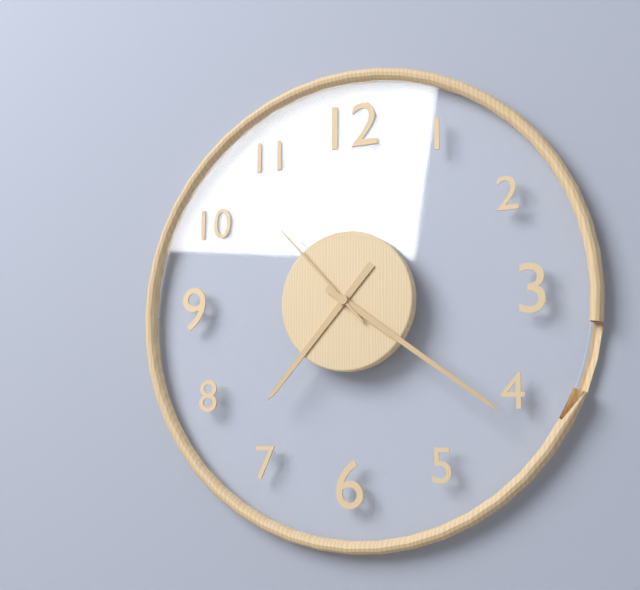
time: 7:21:53
